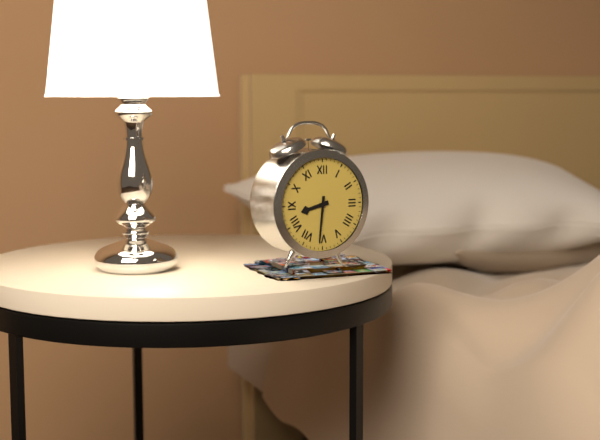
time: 8:31
